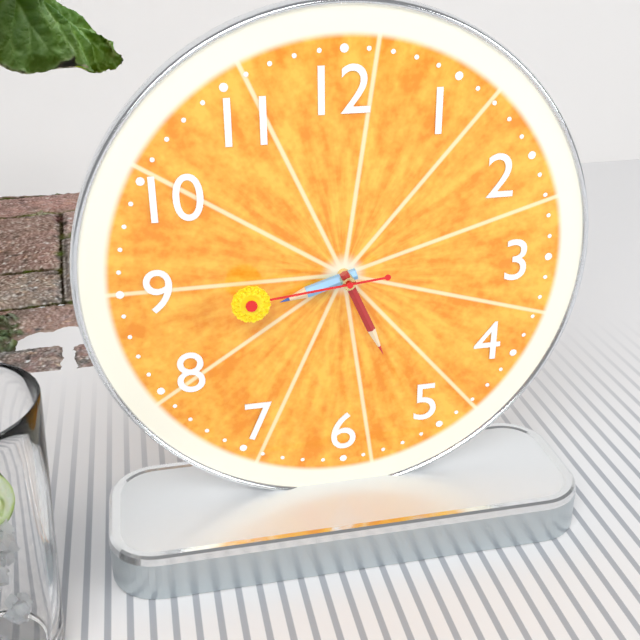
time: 8:26:44
